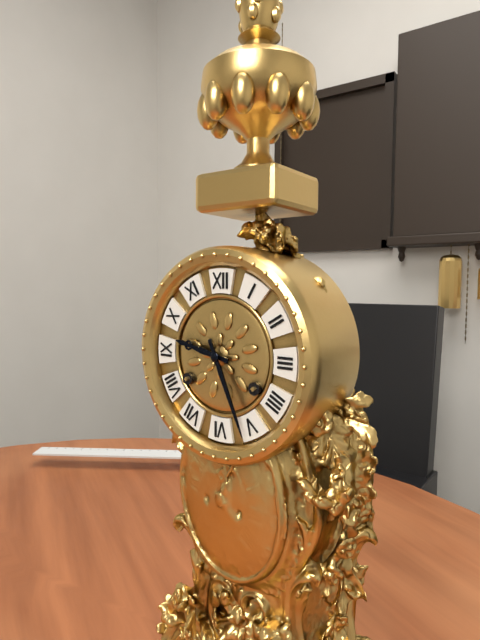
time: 9:26
